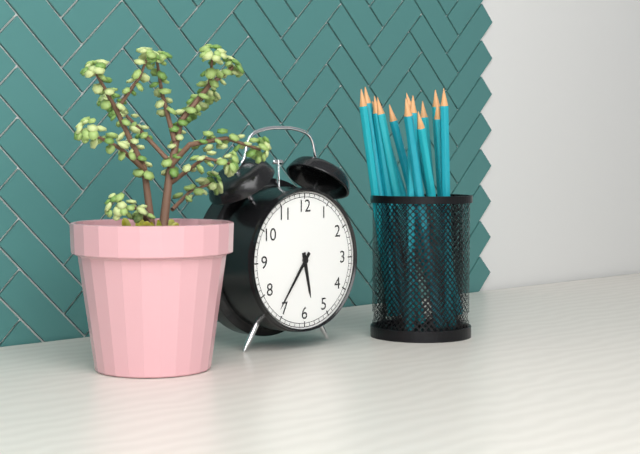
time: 5:36
